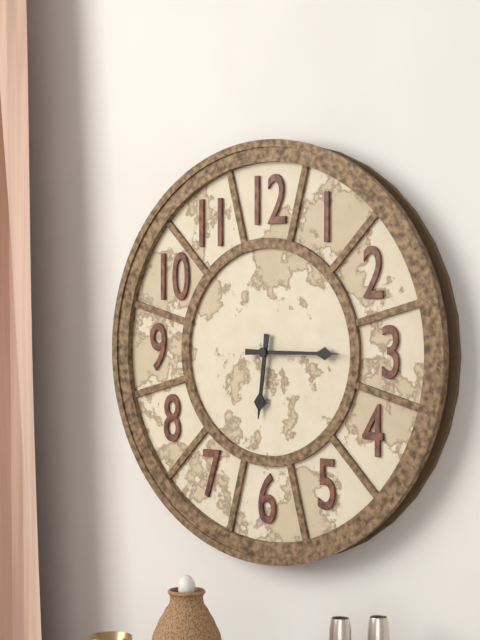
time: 6:15
